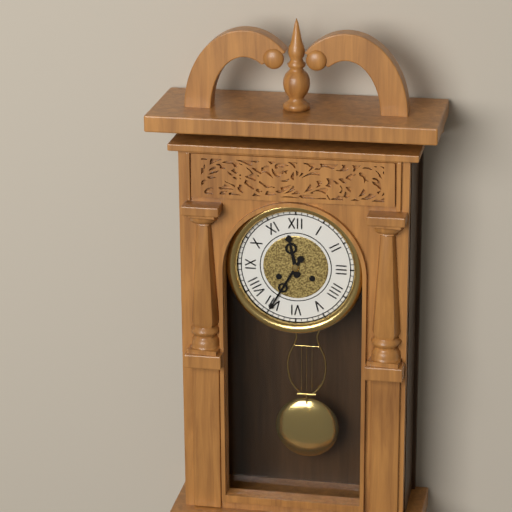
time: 11:35
